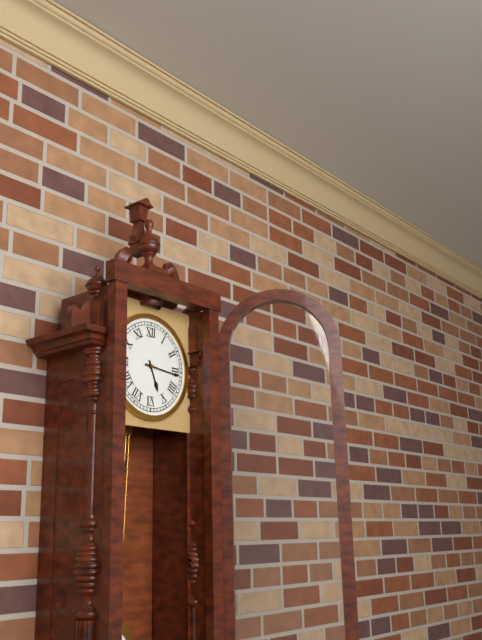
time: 5:16
